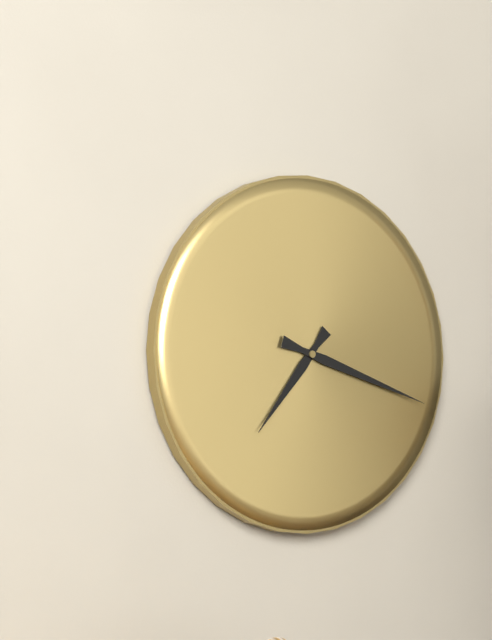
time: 7:18
